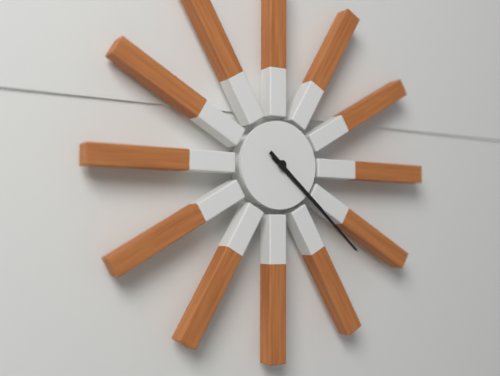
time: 4:22
